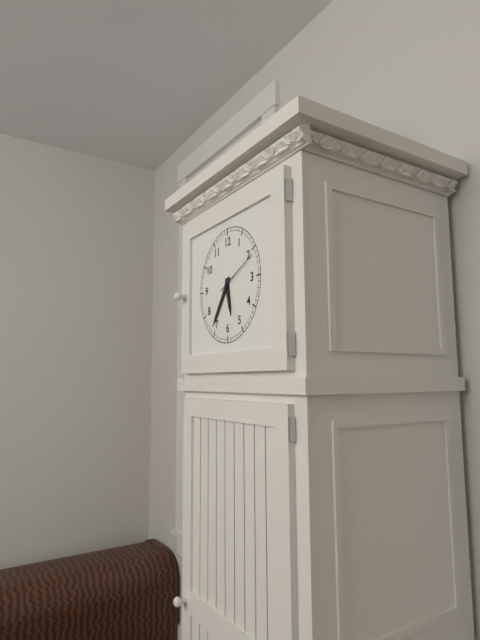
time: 5:36
